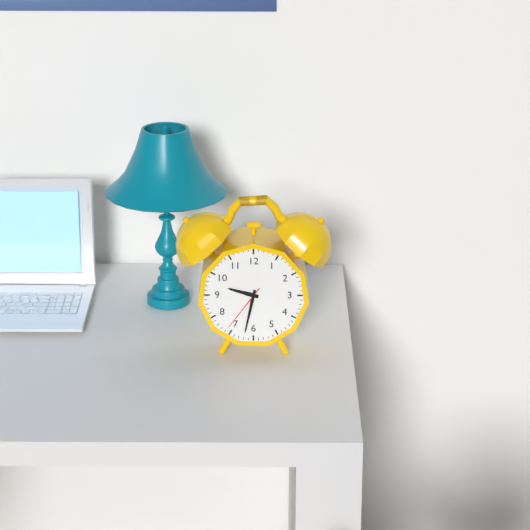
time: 9:32:36
